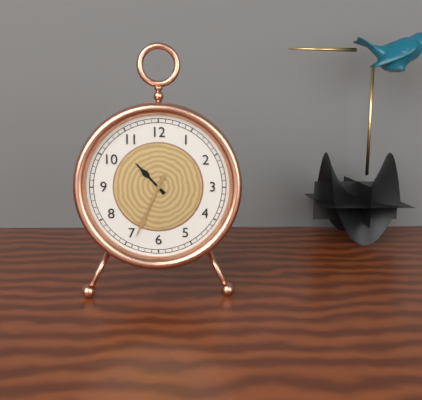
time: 10:34
